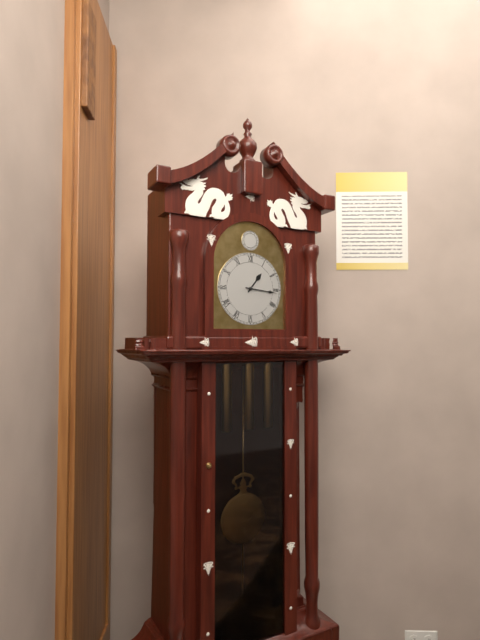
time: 1:16
